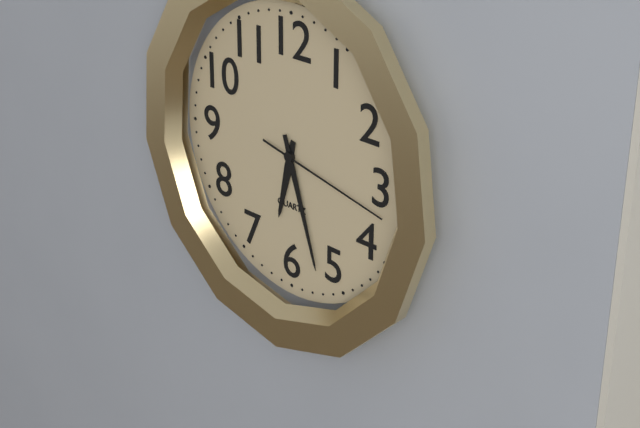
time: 6:27:17
